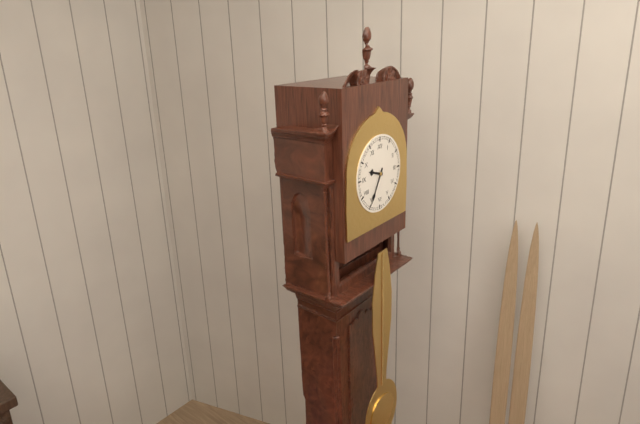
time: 9:35
